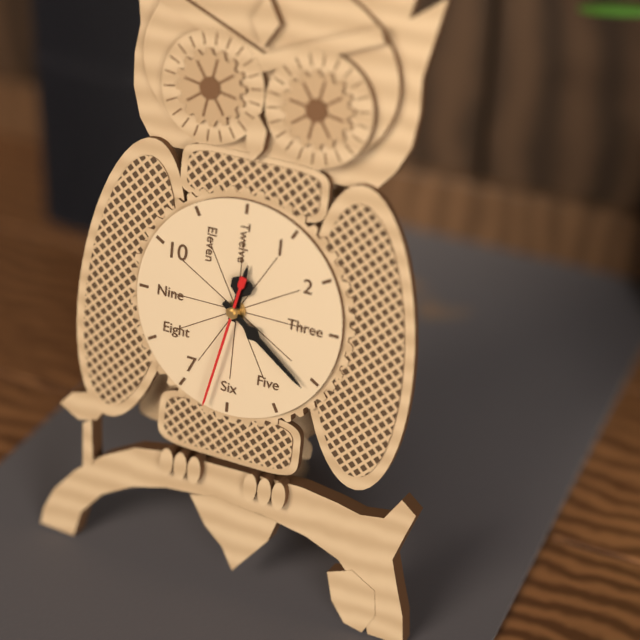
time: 12:21:32
